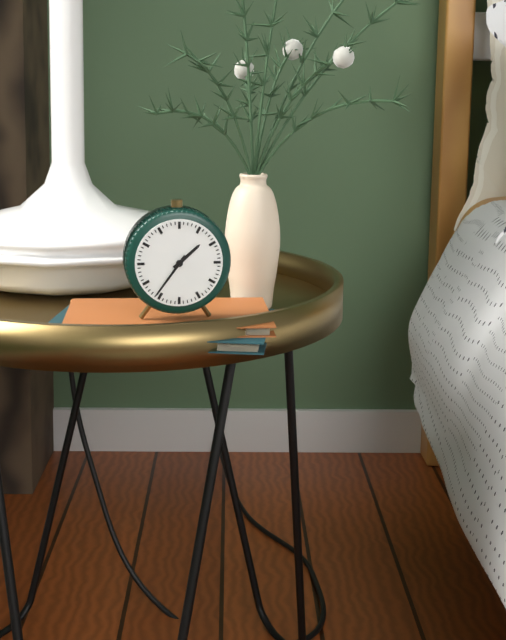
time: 1:36
